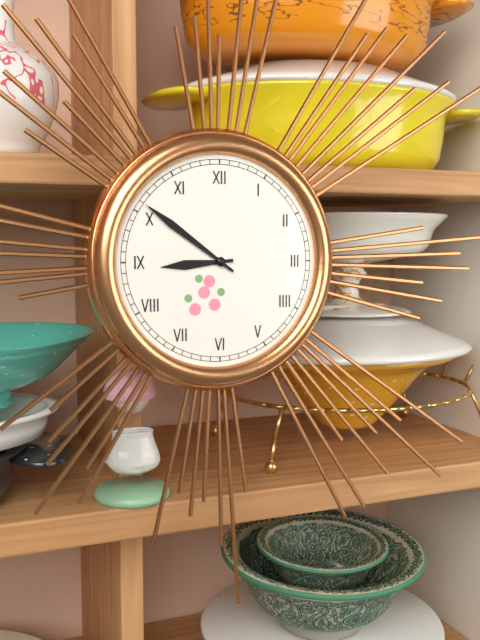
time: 8:51
